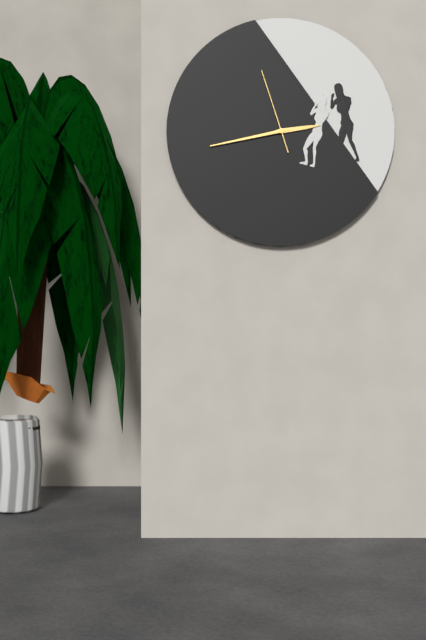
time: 2:43:57
